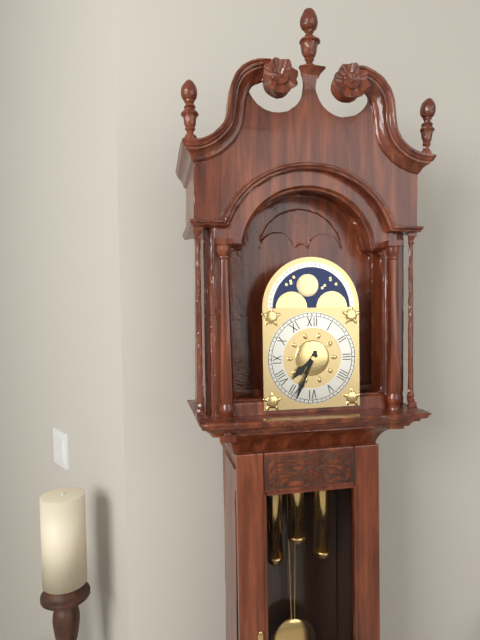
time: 7:34
